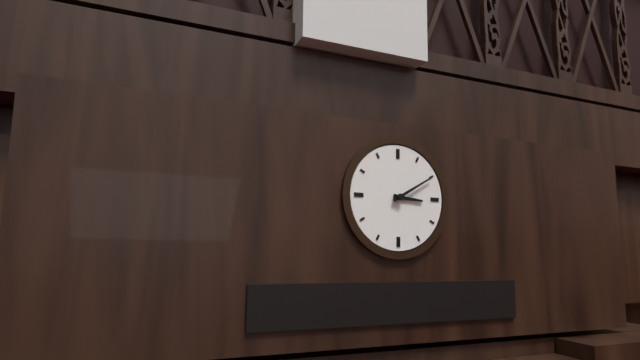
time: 3:10
